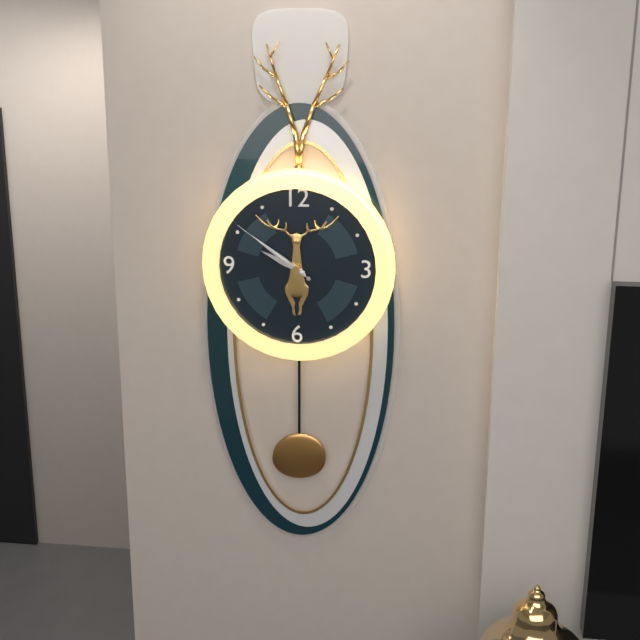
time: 9:51:51
